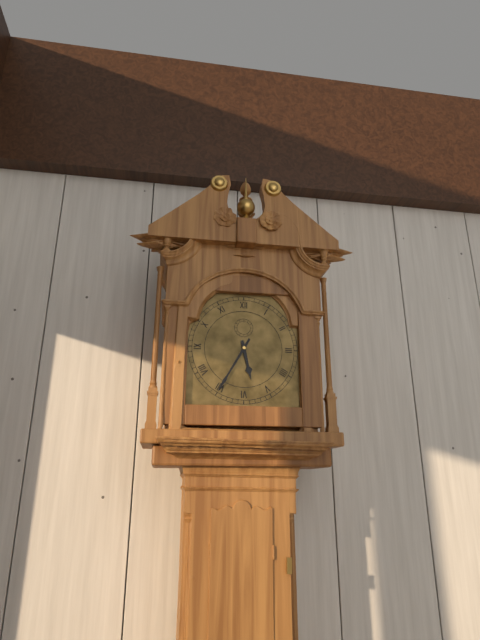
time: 5:35
